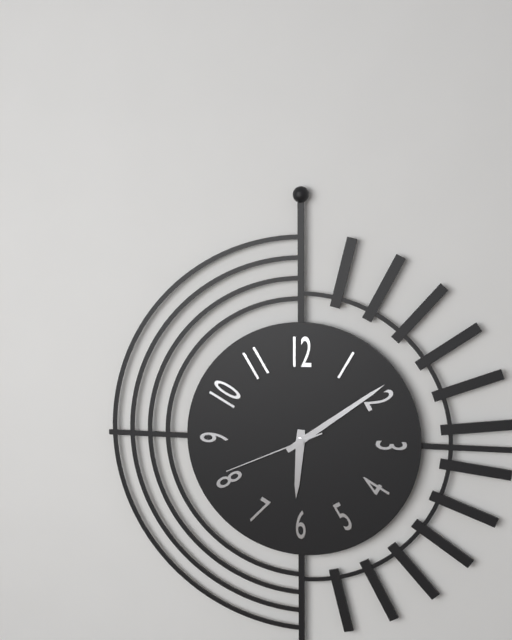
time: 6:09:41
